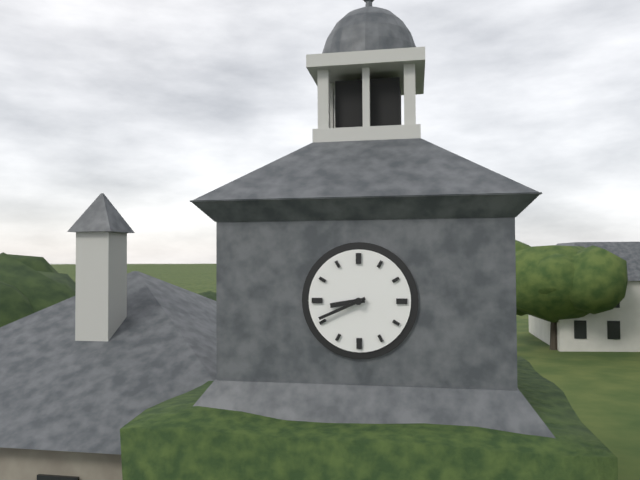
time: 8:41
